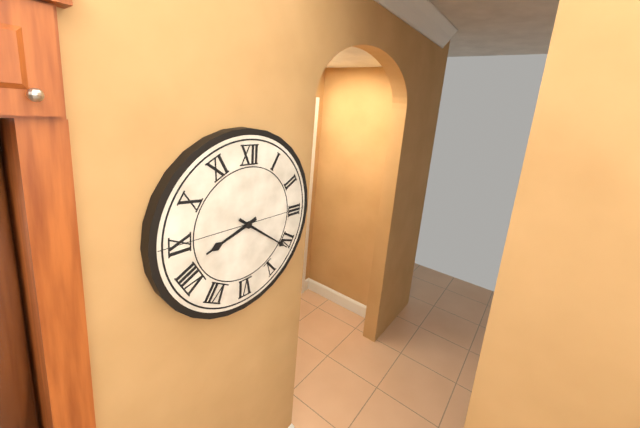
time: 8:21
